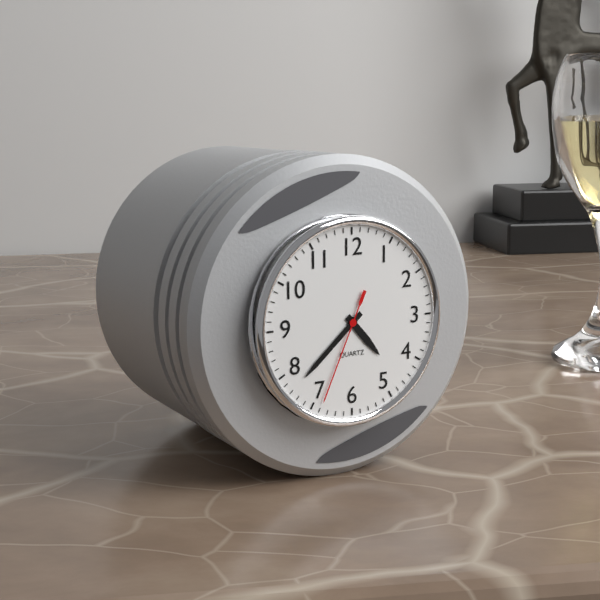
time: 4:38:34
